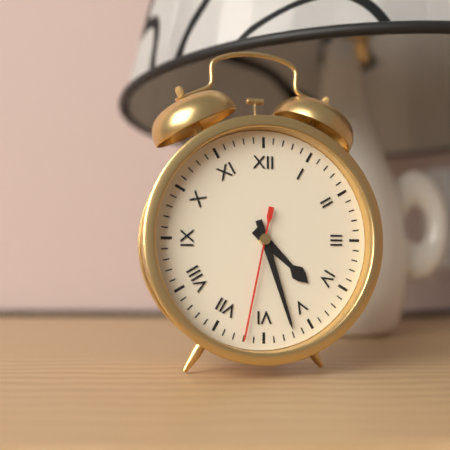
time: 4:27:32
